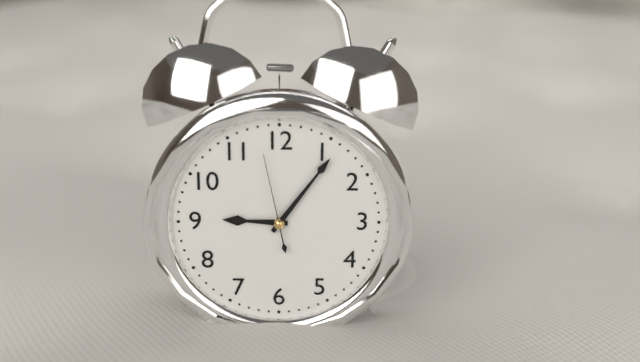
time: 9:06:58
